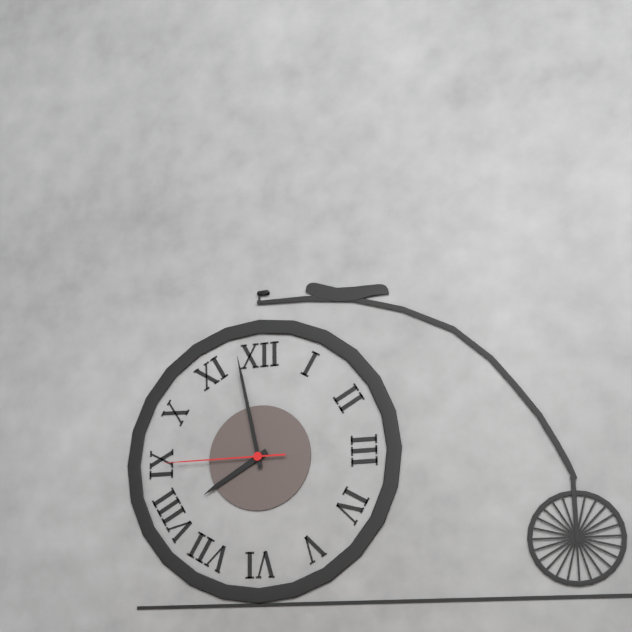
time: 7:58:45
